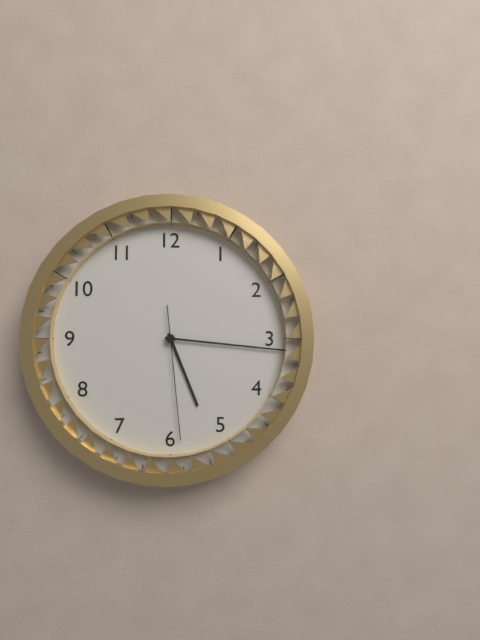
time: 5:16:29
